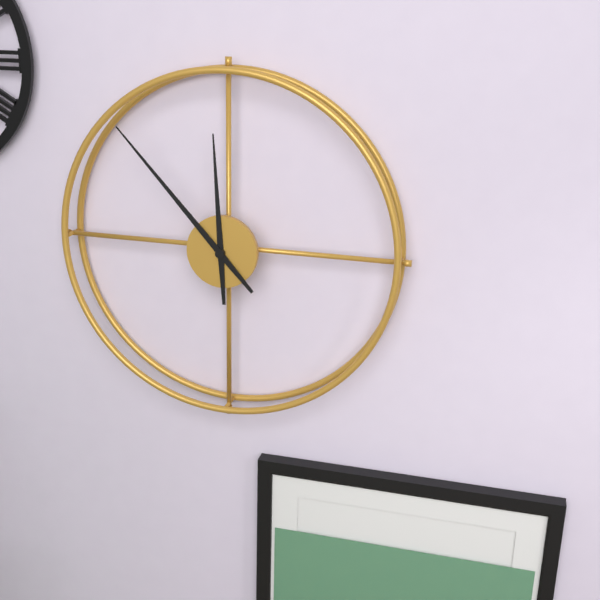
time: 11:53
